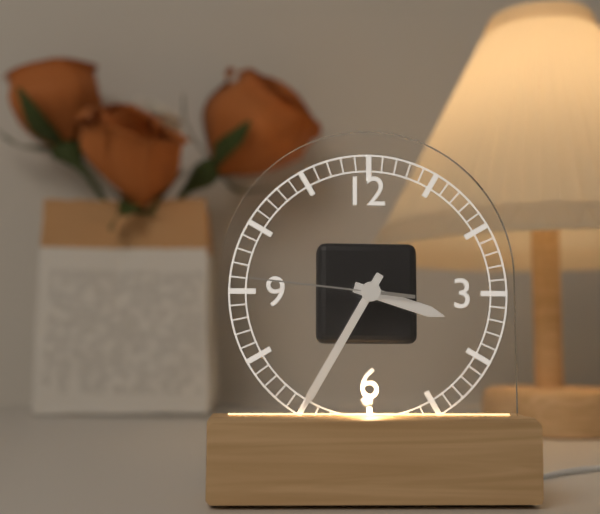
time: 3:35:46
